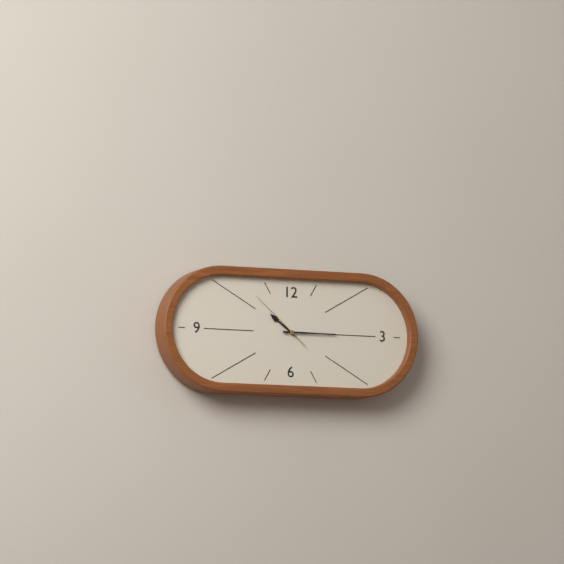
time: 10:15:52
